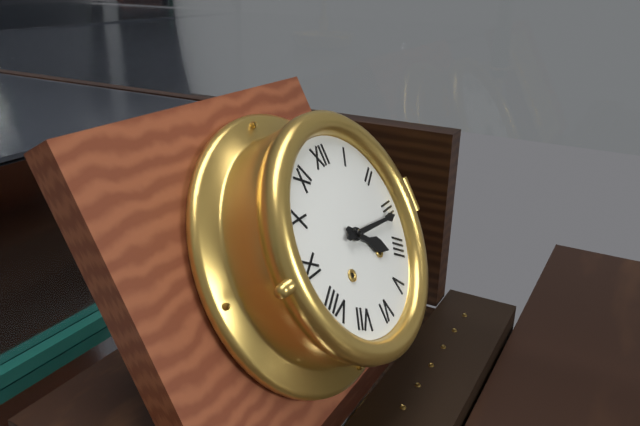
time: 4:16
